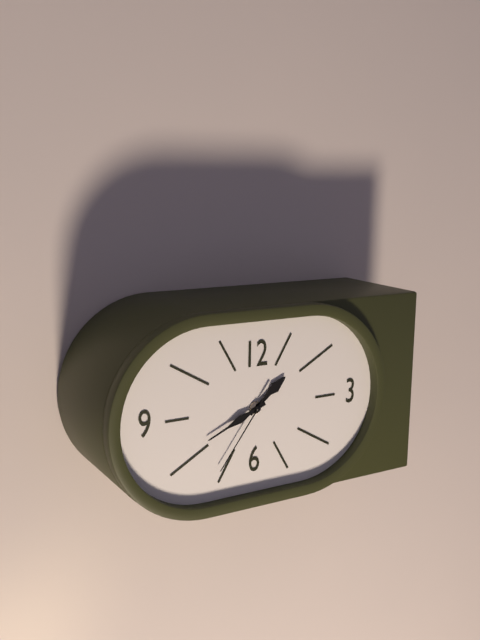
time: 1:41:36
